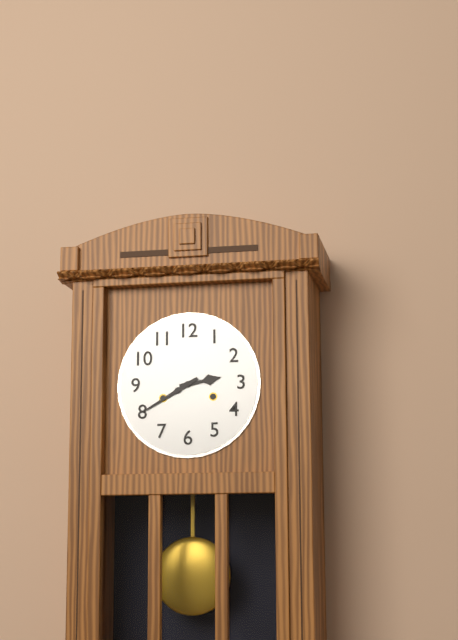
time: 2:40
